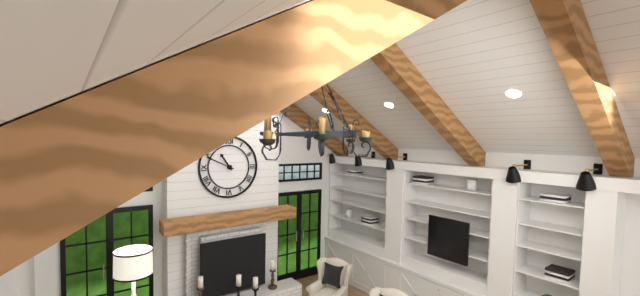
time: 10:49
